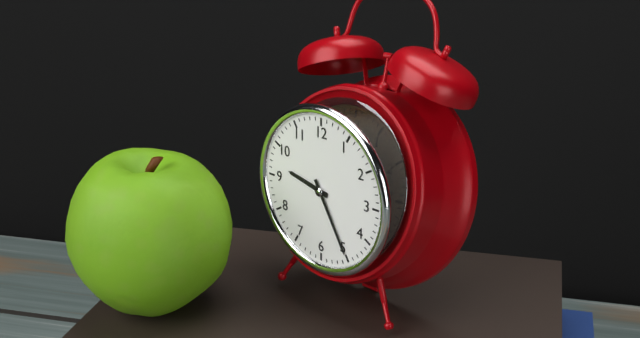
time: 9:25
